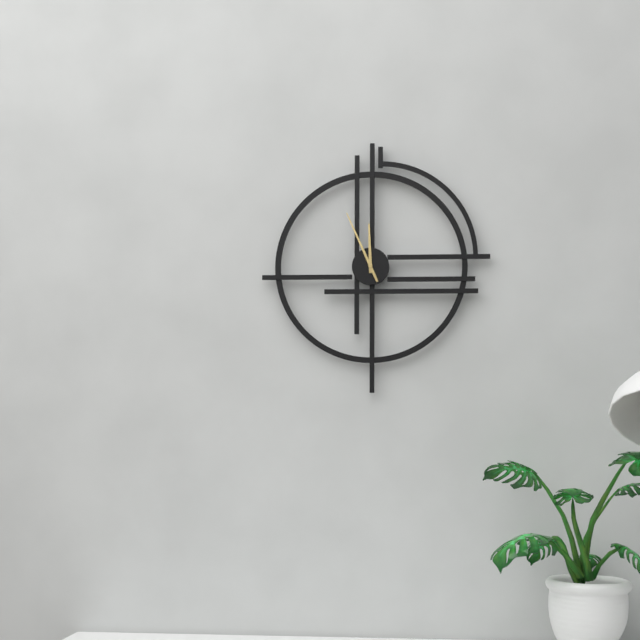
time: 11:56
